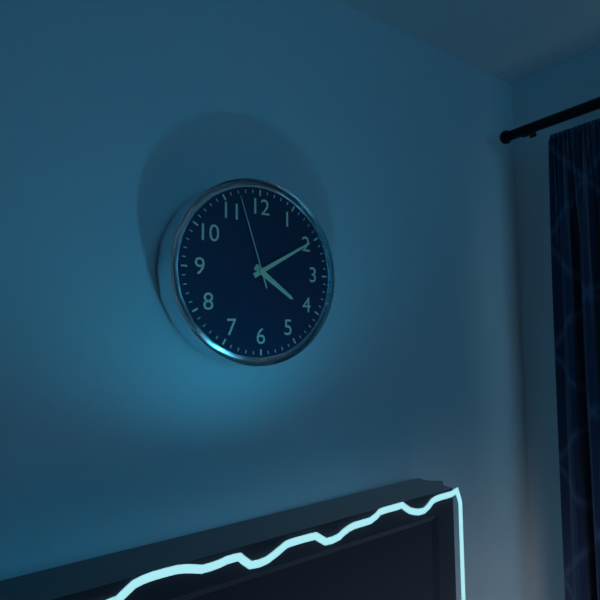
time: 4:10:57
